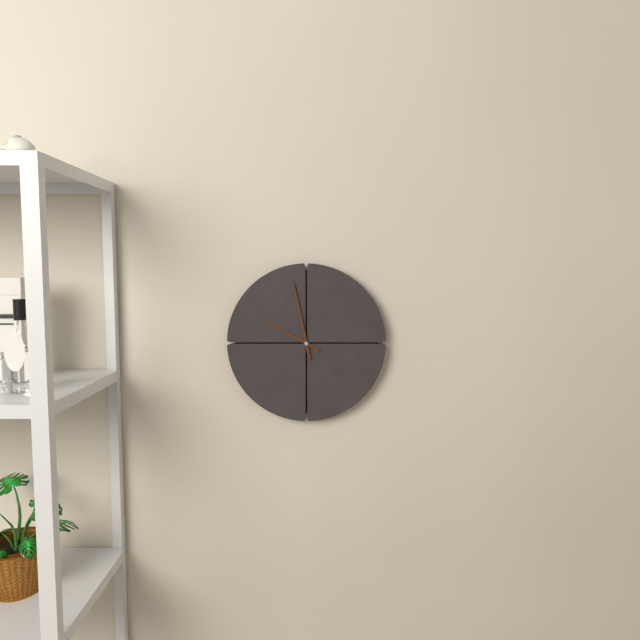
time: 9:58
